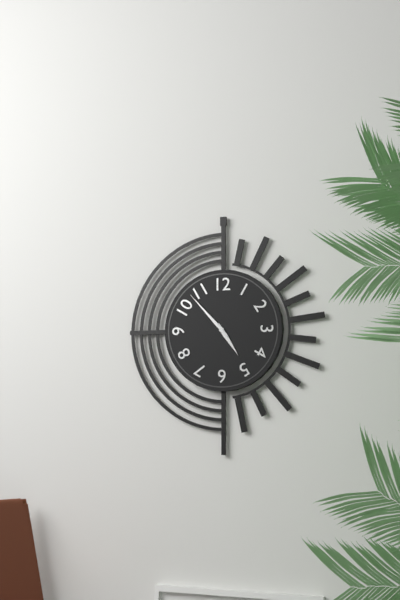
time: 4:53
